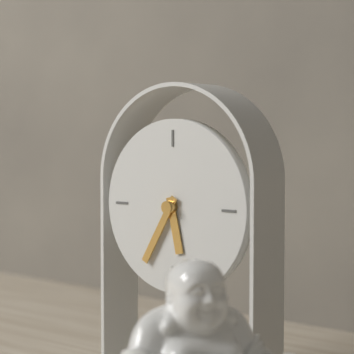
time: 5:35
